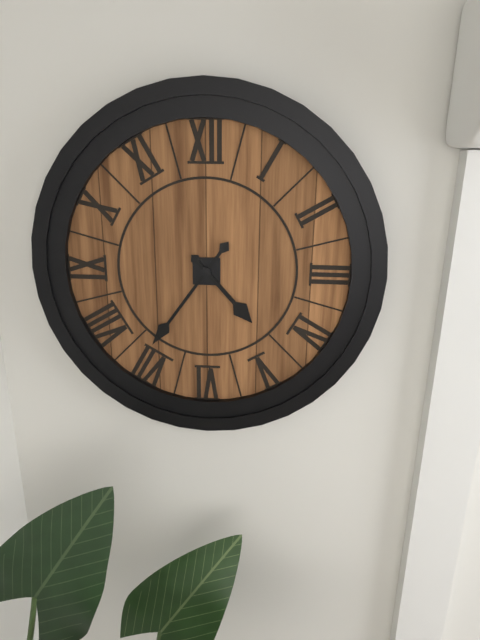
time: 4:36
